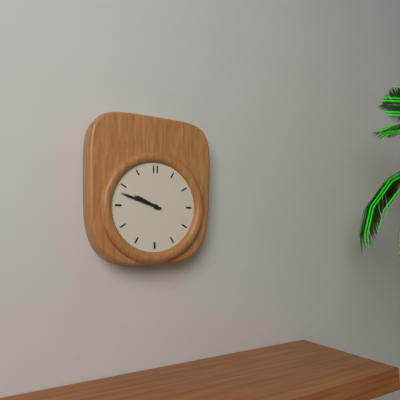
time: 9:48
